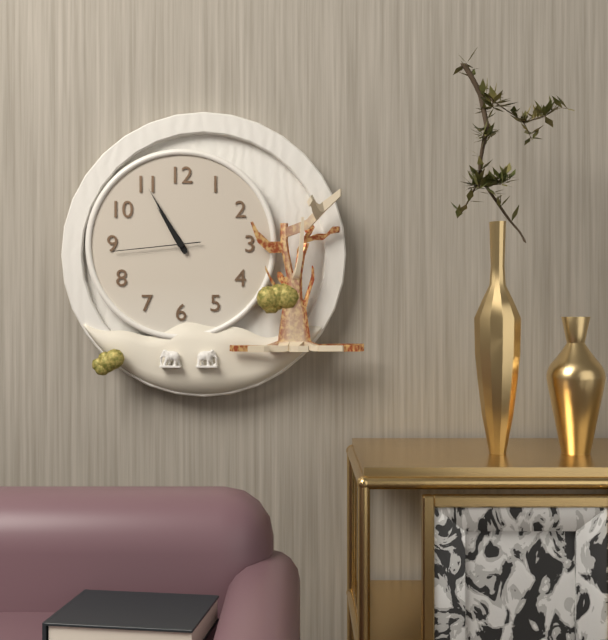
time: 10:55:44
